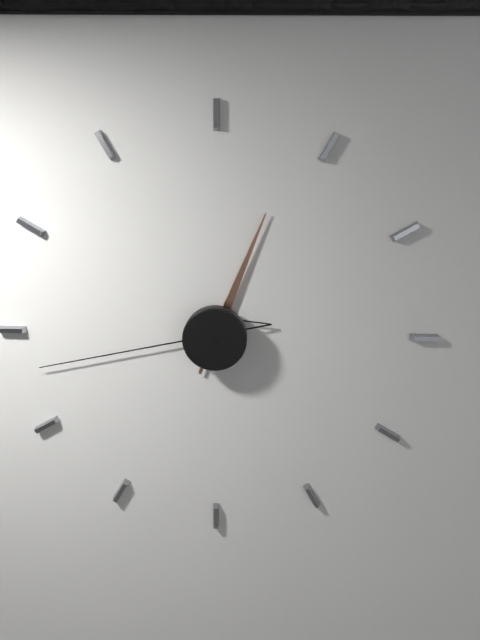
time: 12:43
